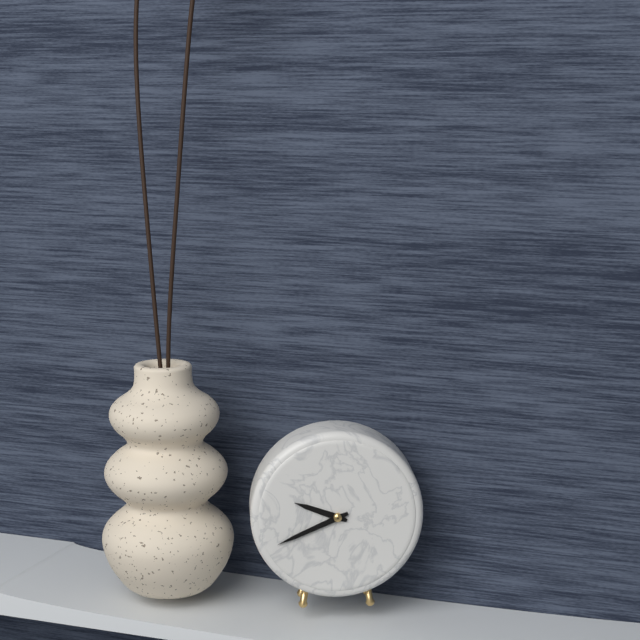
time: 9:41
